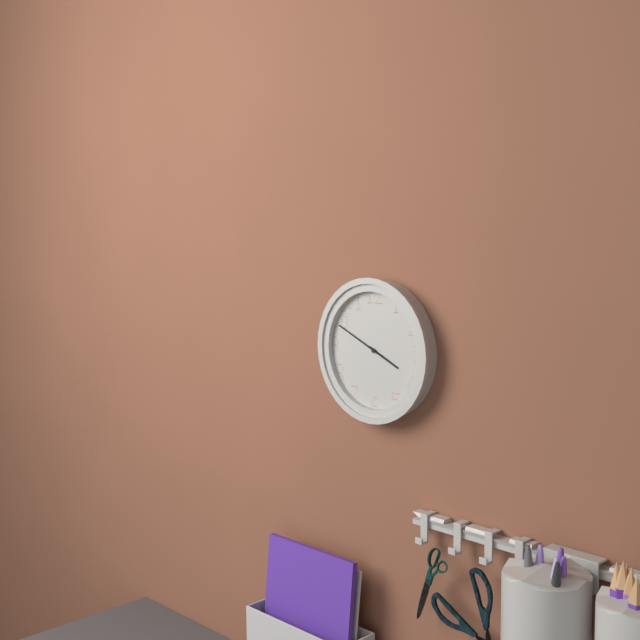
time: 3:49
